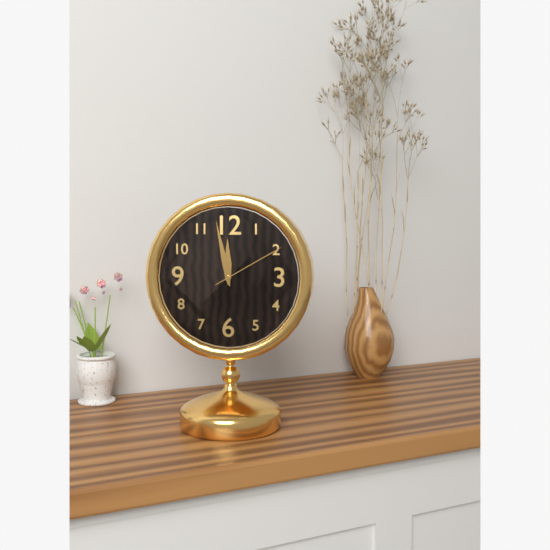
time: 11:58:10
